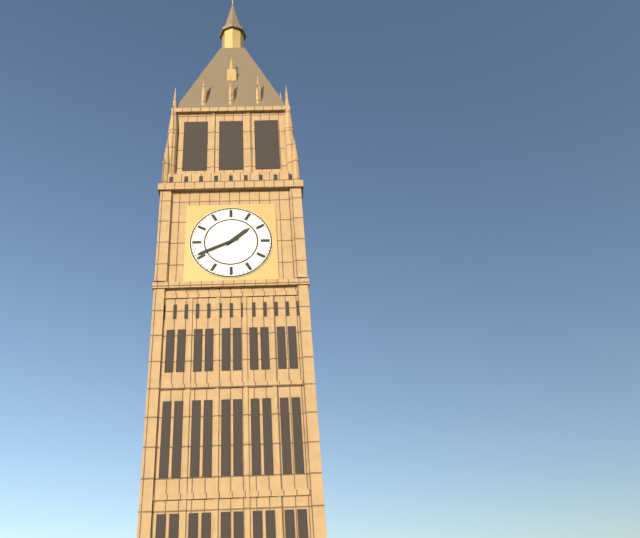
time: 1:41
